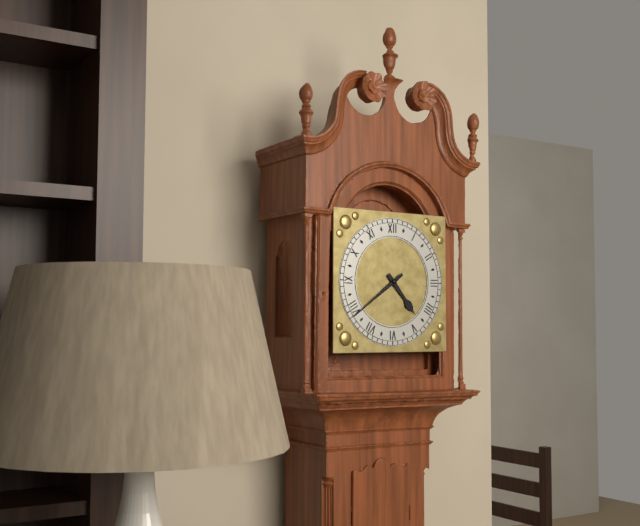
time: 4:39
